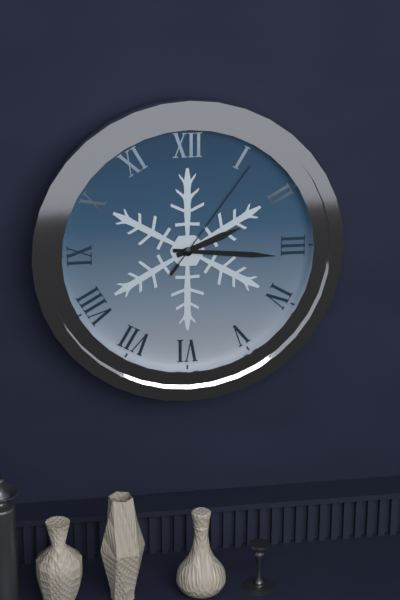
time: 2:16:06
